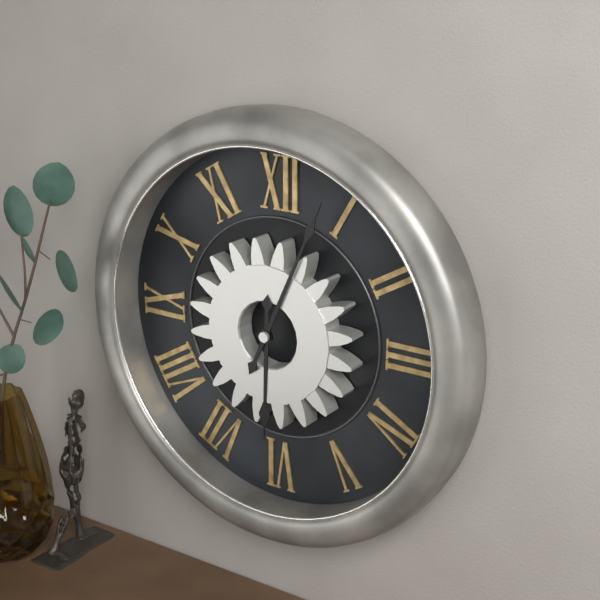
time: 6:04
